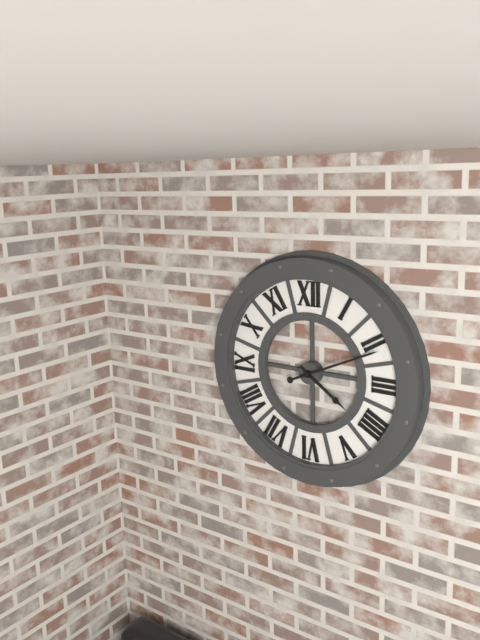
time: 4:11
